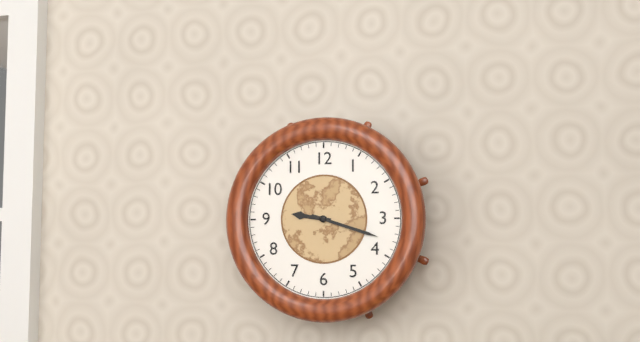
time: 9:18
